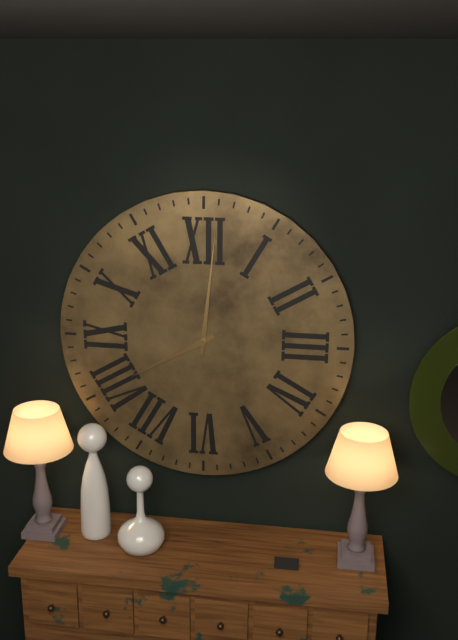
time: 8:01
